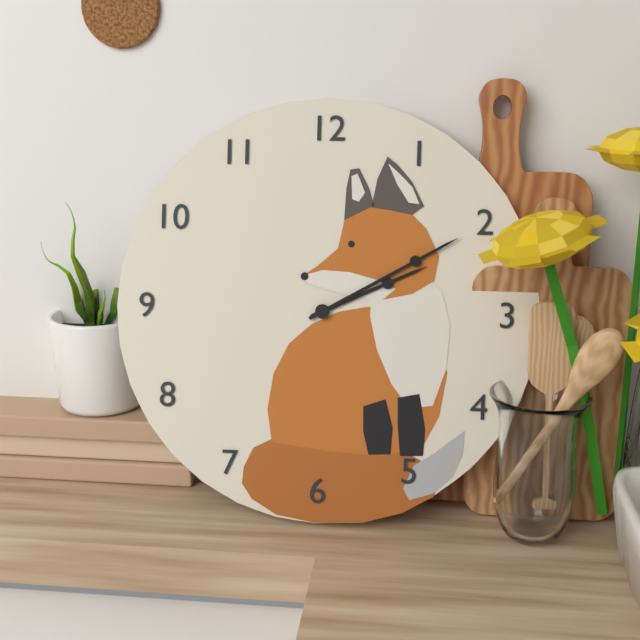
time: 2:10
